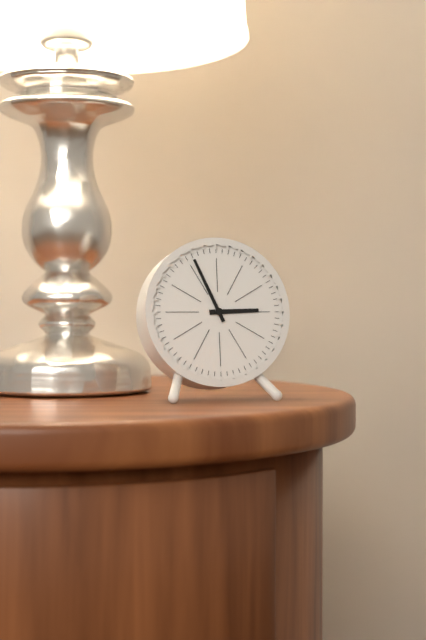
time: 2:56
